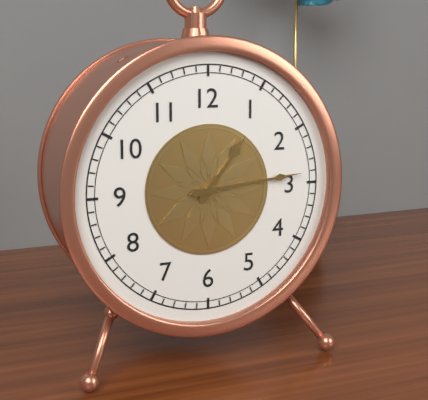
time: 1:14
